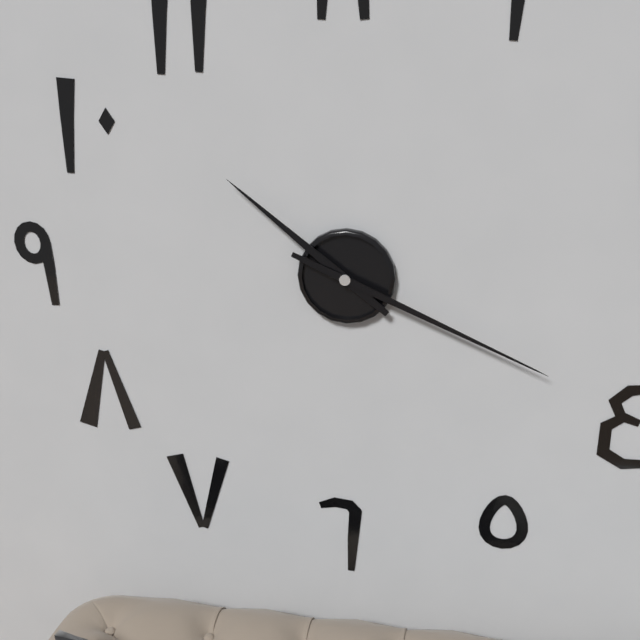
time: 10:19
